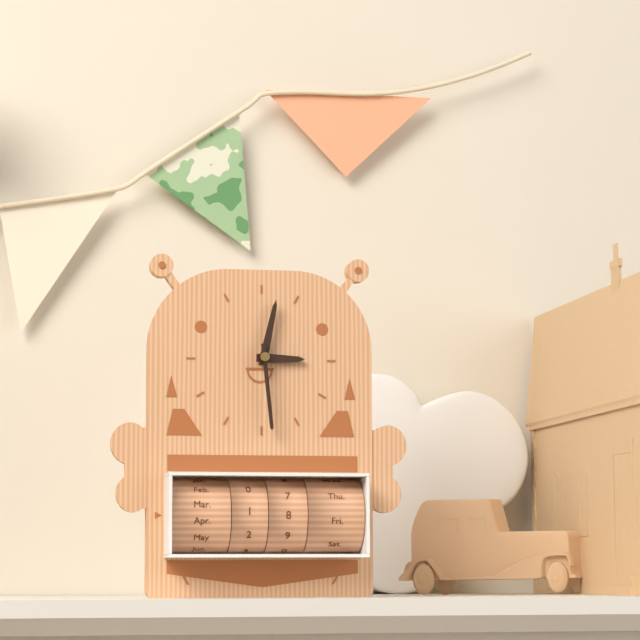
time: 3:02:29
